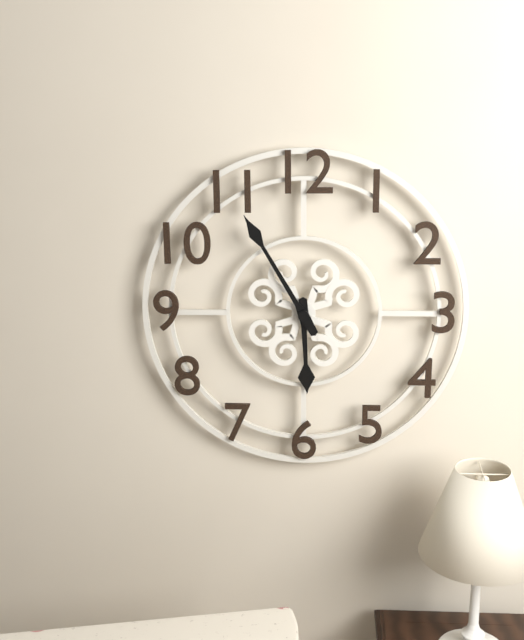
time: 5:55
